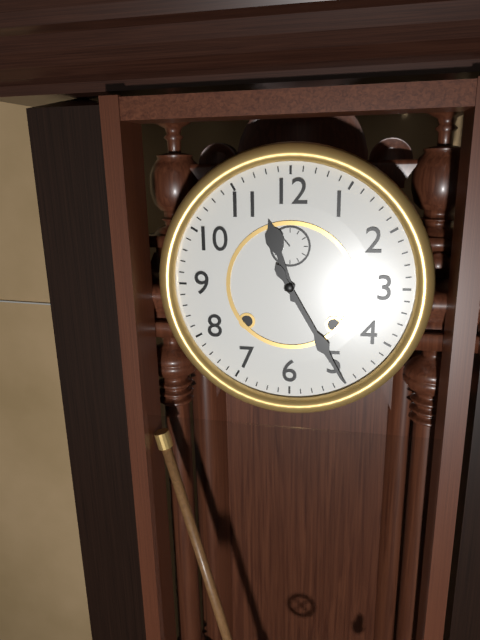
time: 11:25
